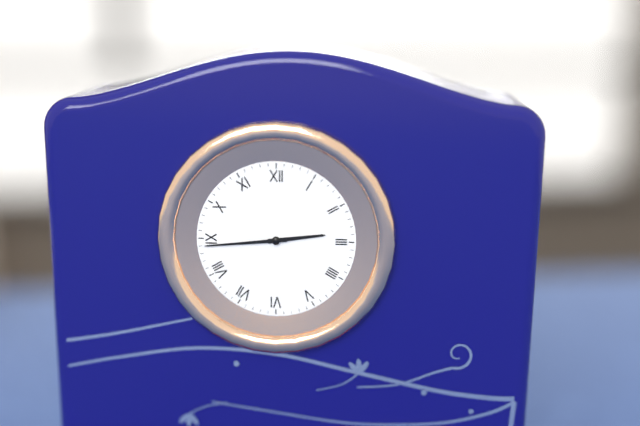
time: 2:44
